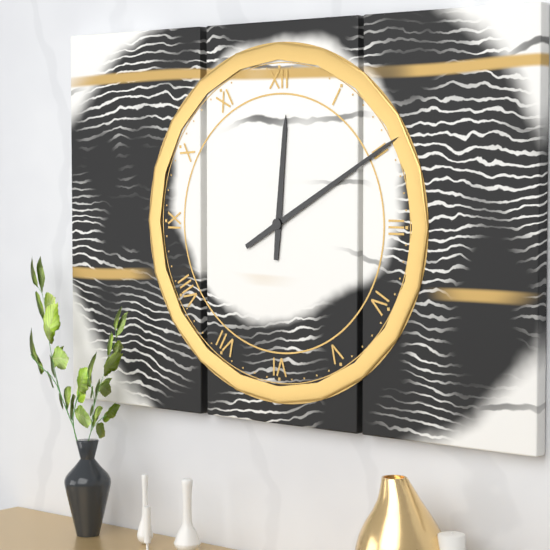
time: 12:10
